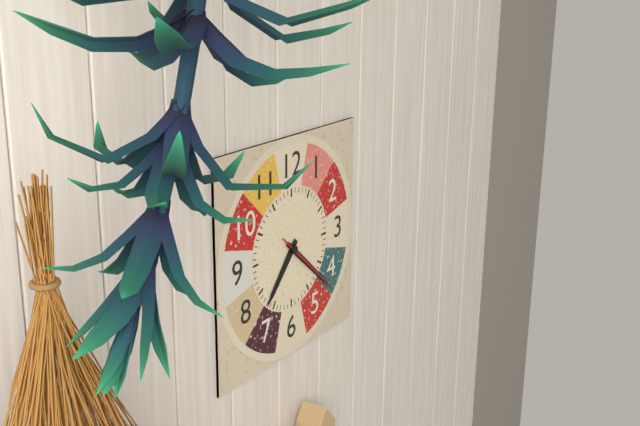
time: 7:22:22
